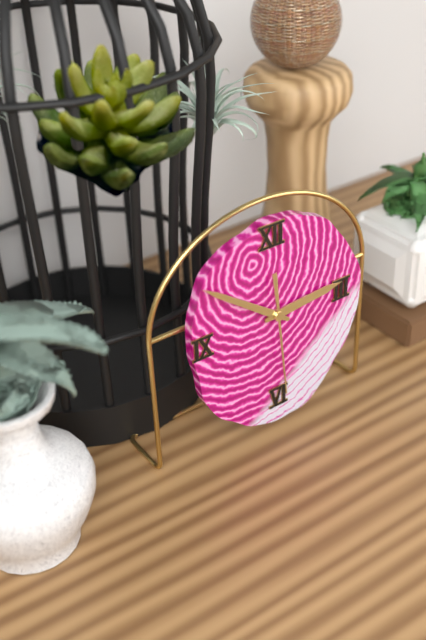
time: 2:51:29
